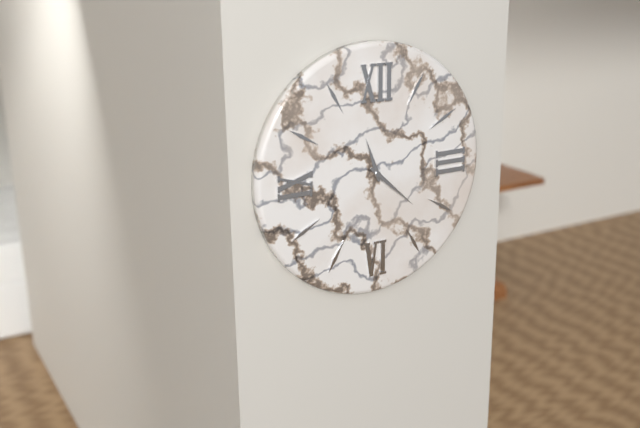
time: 11:22
